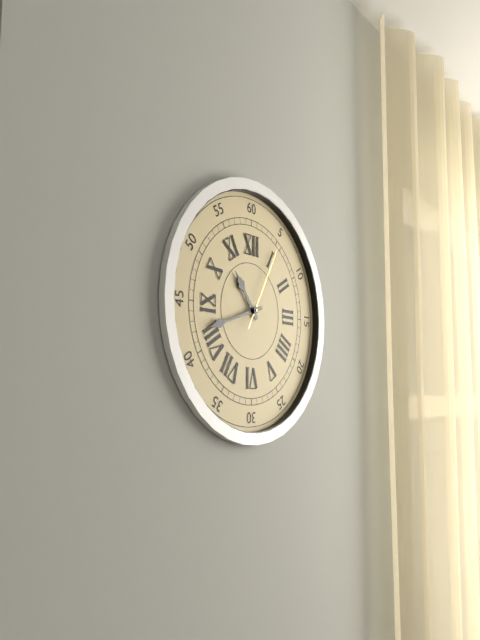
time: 10:42:05
